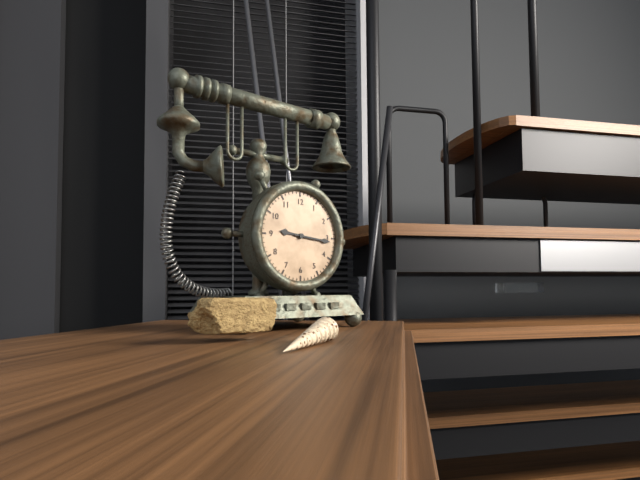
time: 9:16
